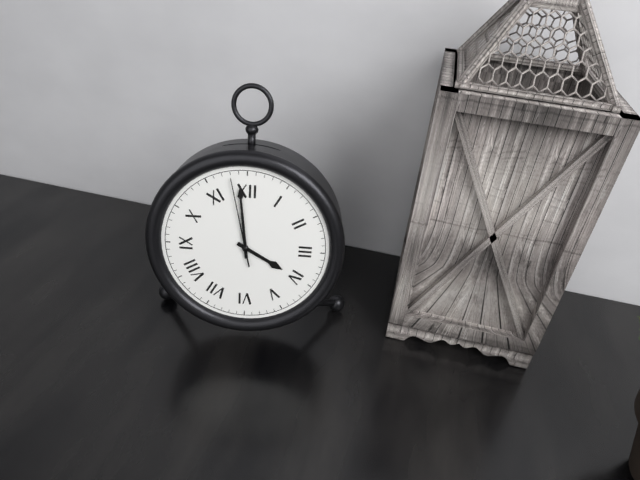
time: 3:59:58
